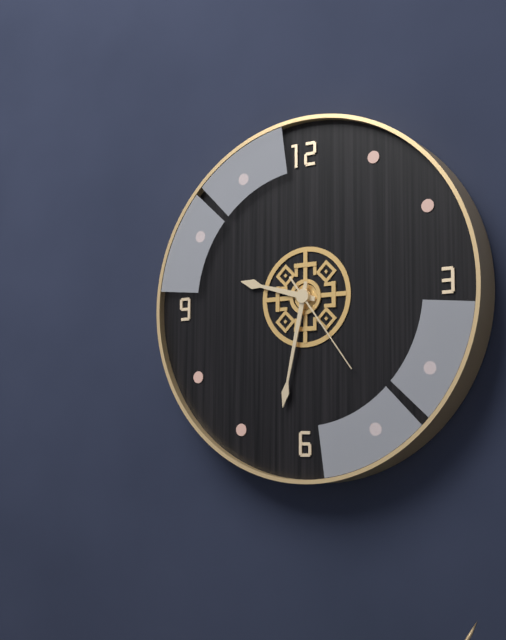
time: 9:32:24
